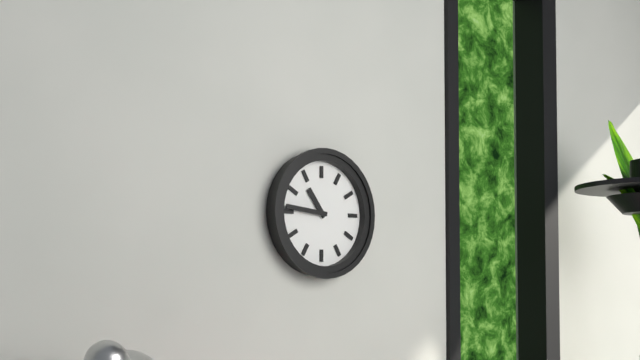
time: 10:46
